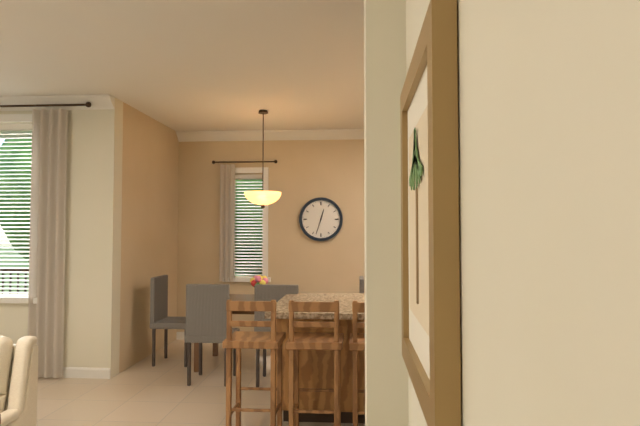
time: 12:33
